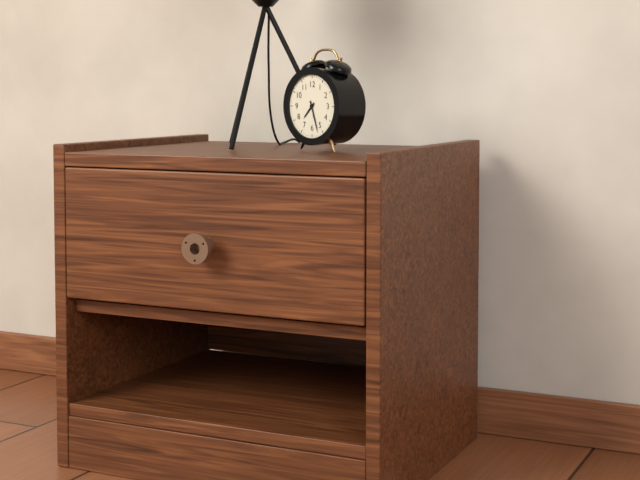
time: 7:27
